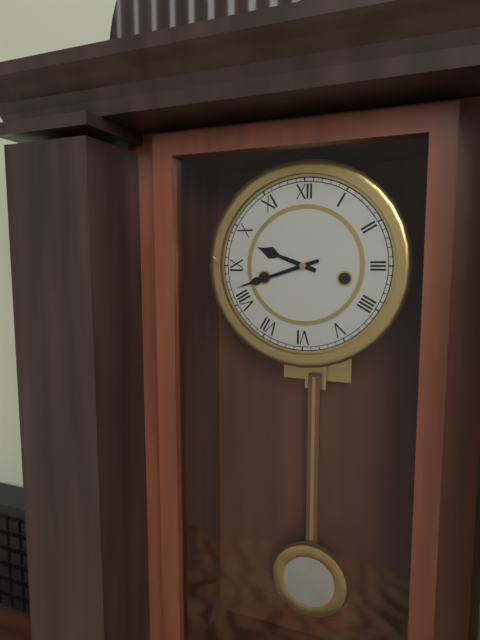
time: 9:42
